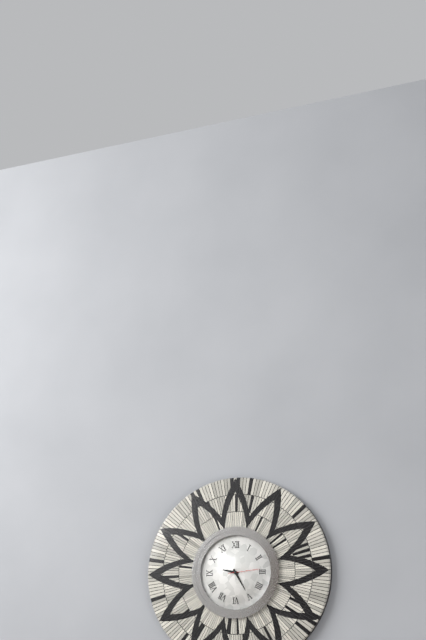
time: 9:25
